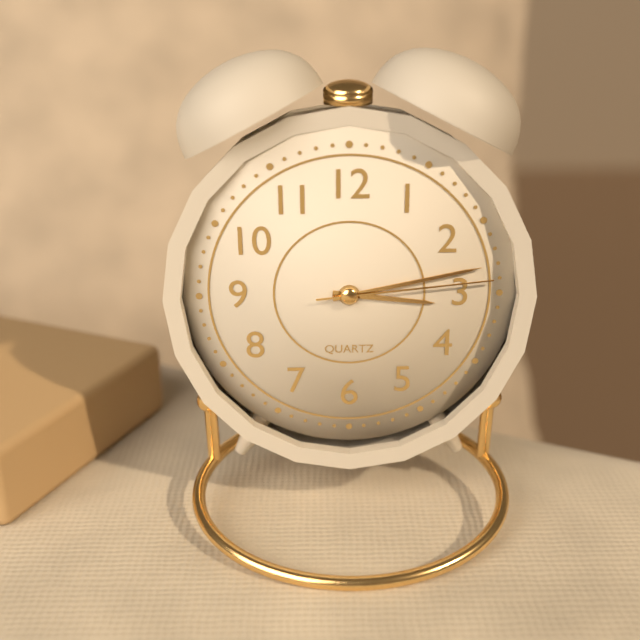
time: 3:13:14
